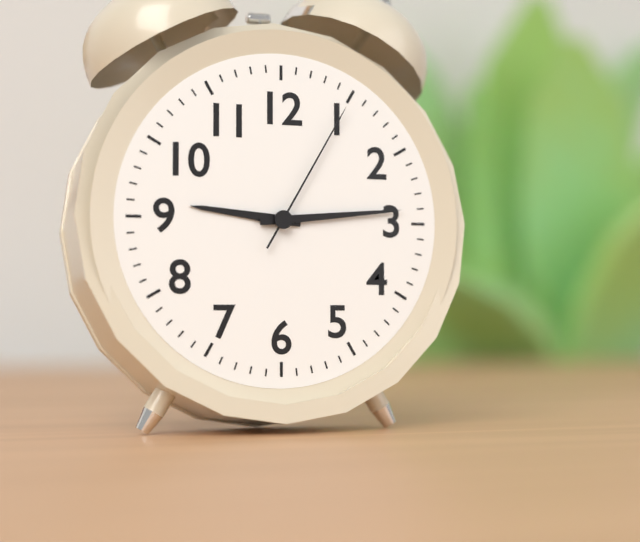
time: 9:14:05
